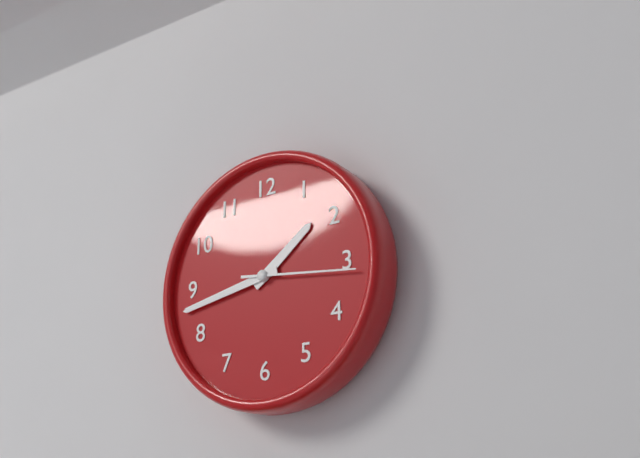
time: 1:43:16
